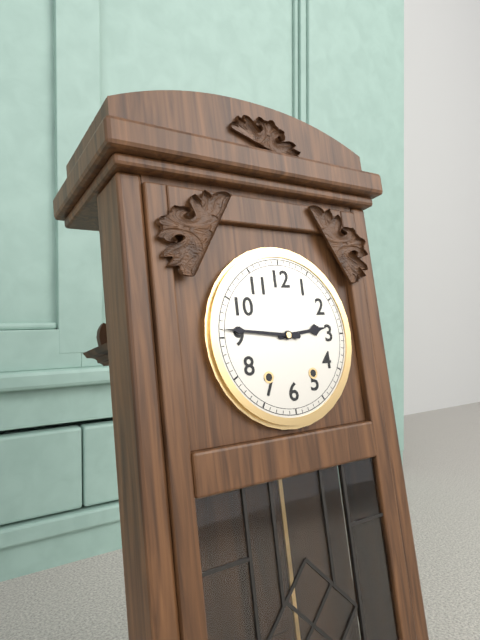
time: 2:46
